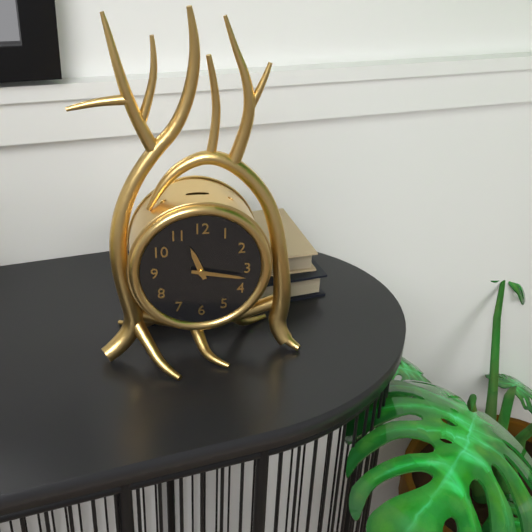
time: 11:17
